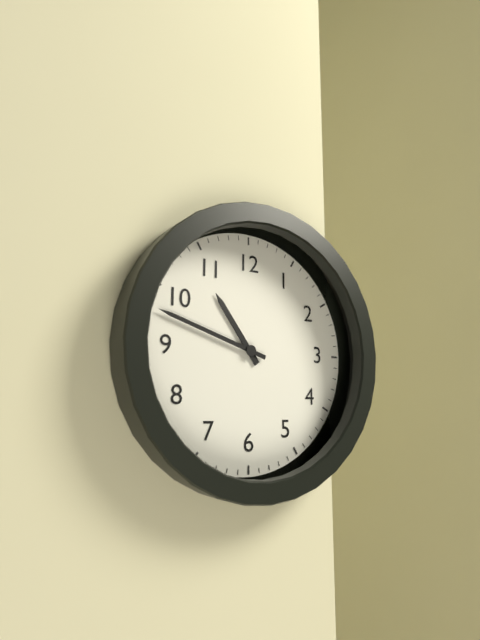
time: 10:48
